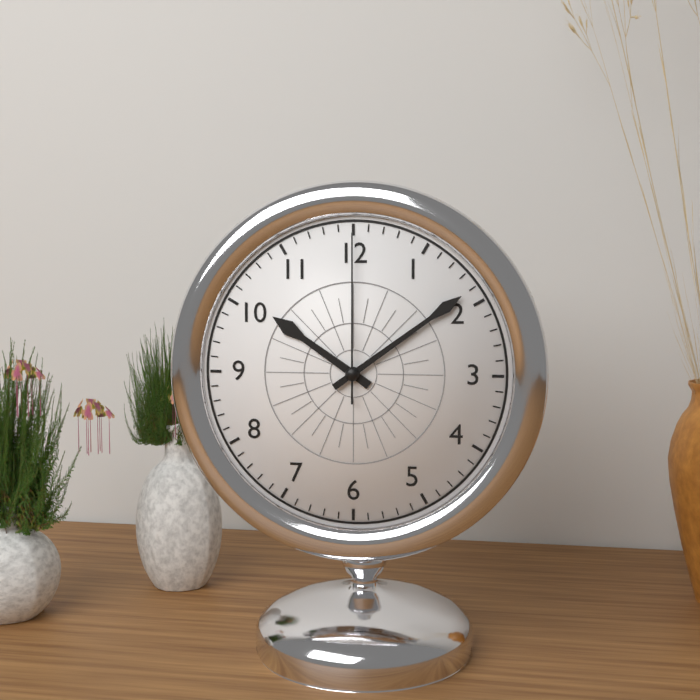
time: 10:09:00
